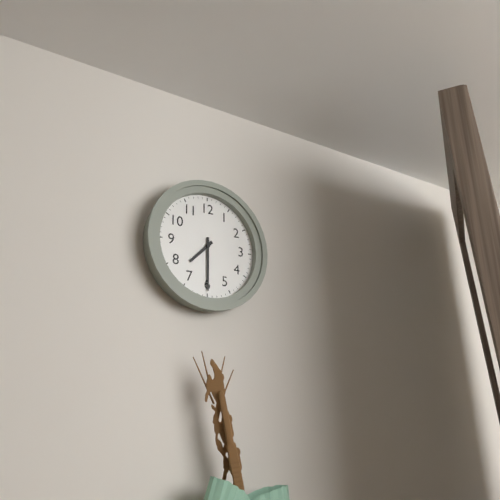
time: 7:30
